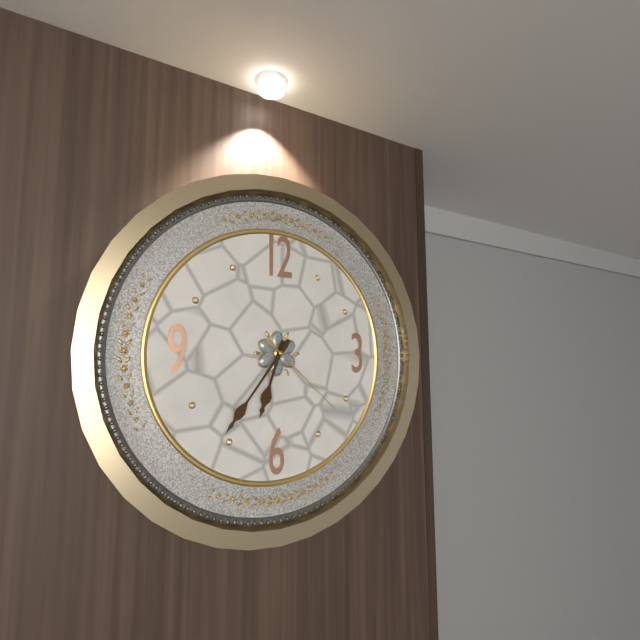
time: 6:36:22
